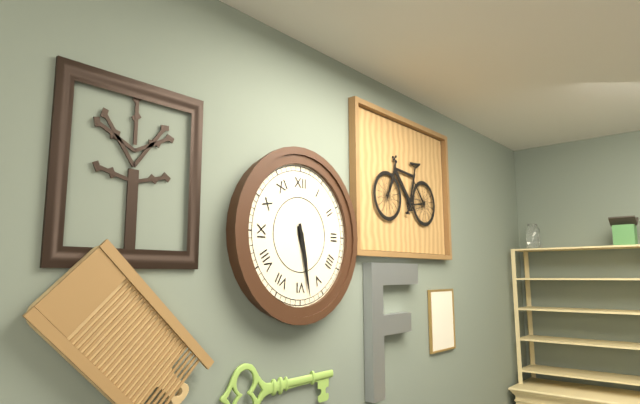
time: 5:28
